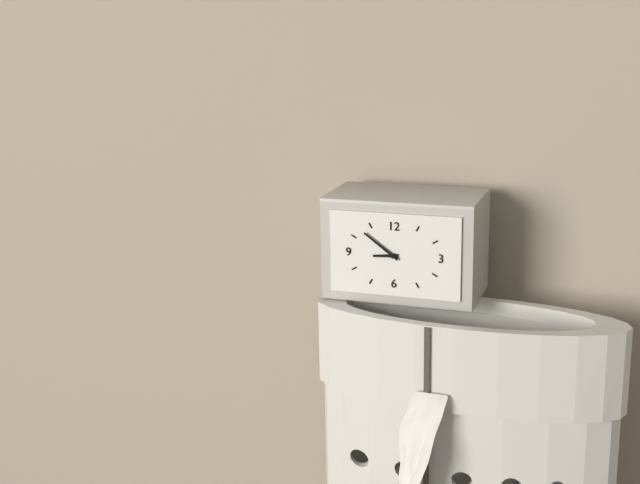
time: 8:51
